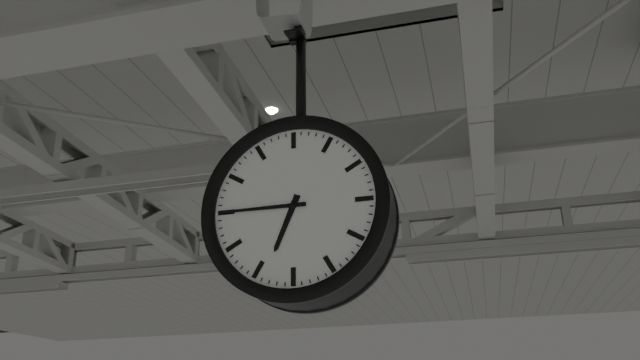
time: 6:45
